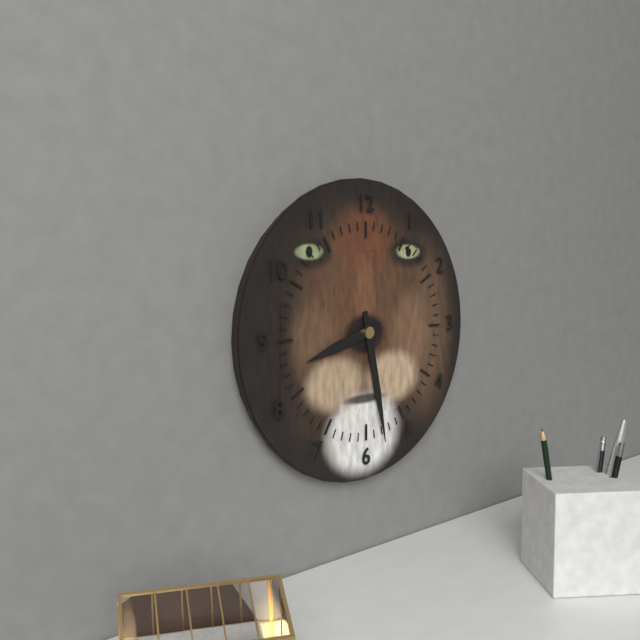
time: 8:28
